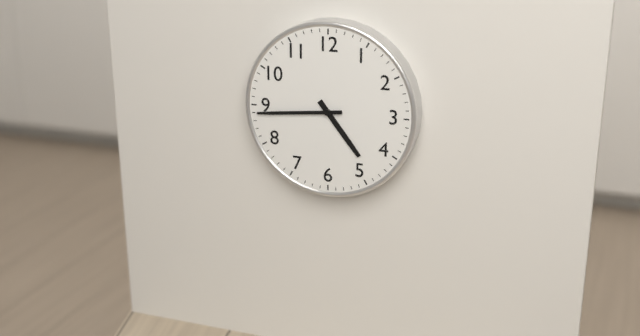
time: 4:44
